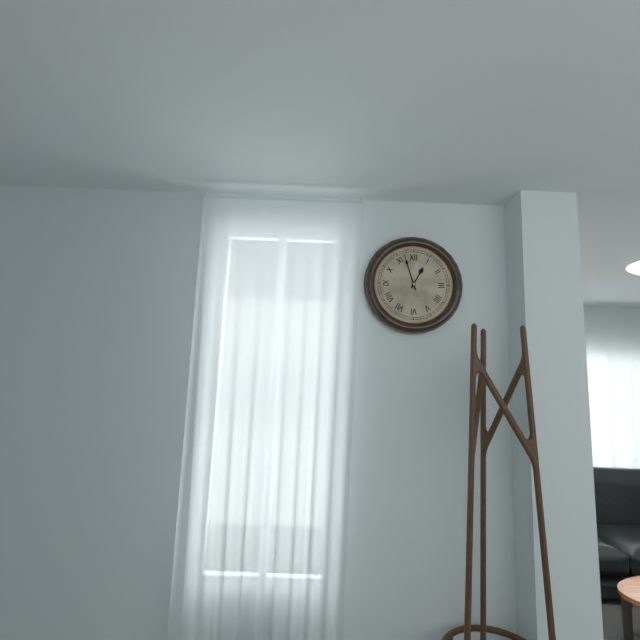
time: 12:57
